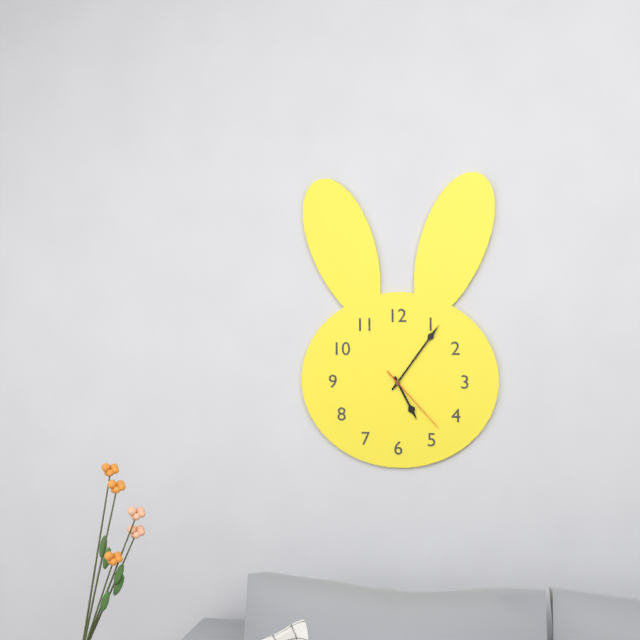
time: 5:06:23
